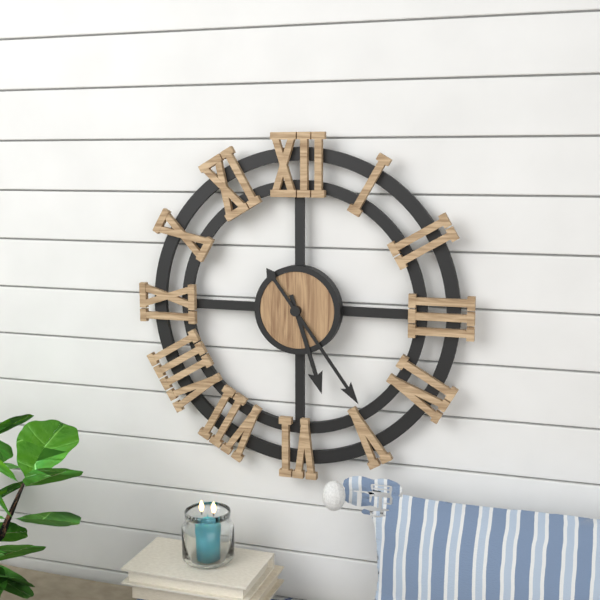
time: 5:24
